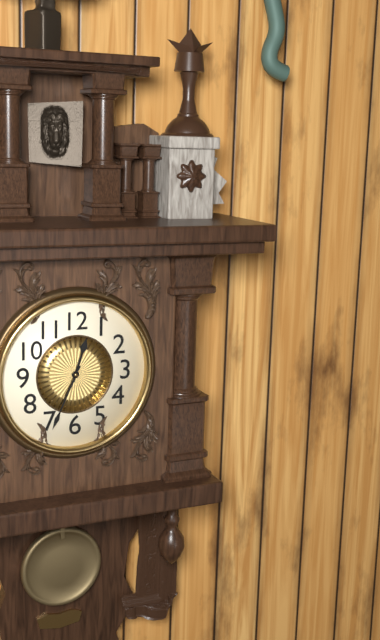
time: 12:34
